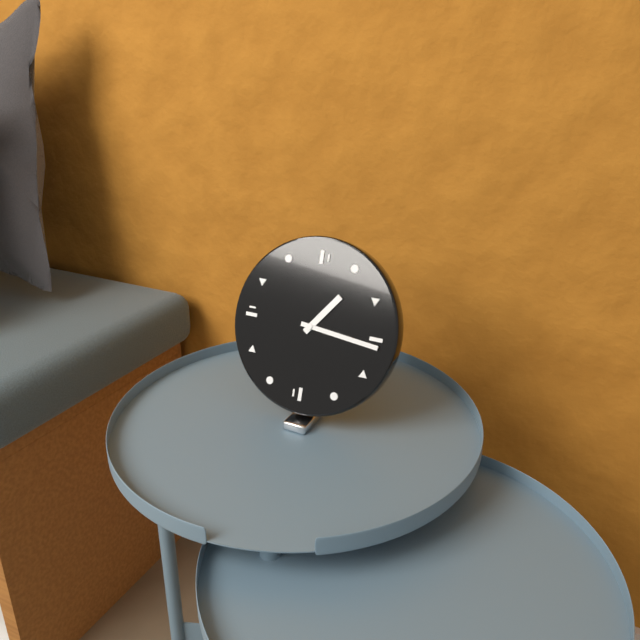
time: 1:16
